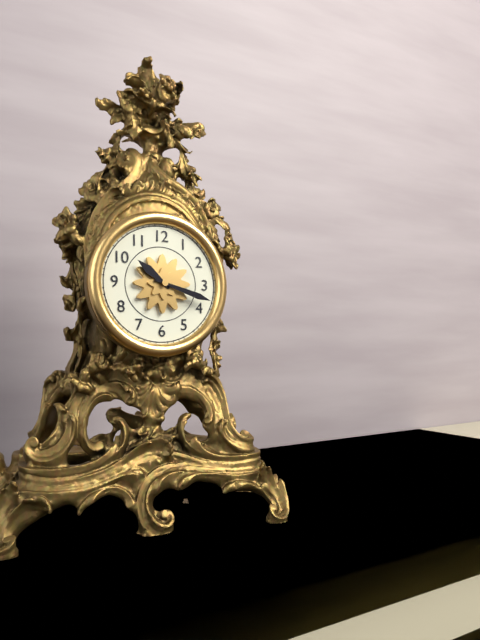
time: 10:18
